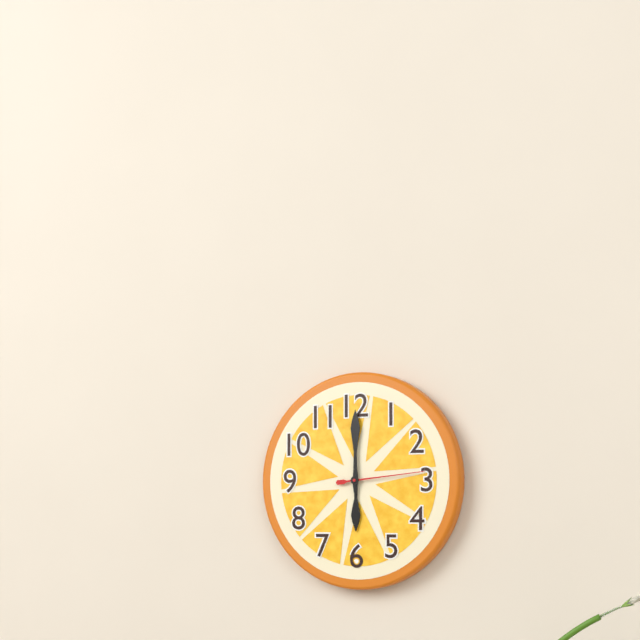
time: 6:00:14
